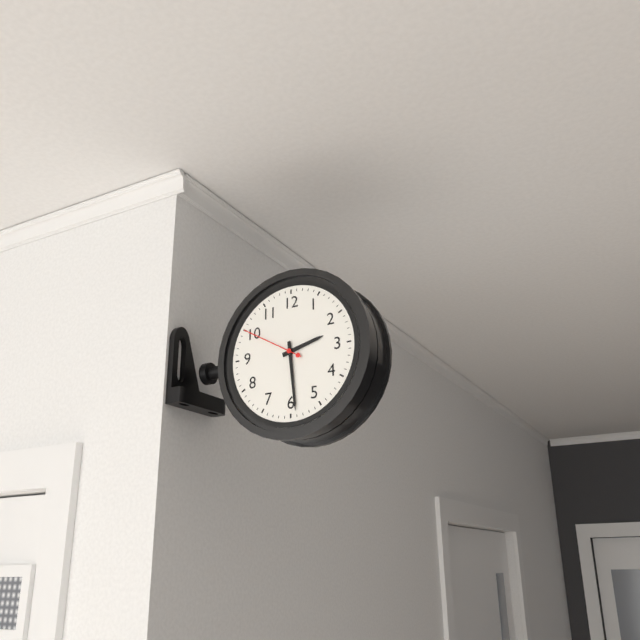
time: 2:29:50
